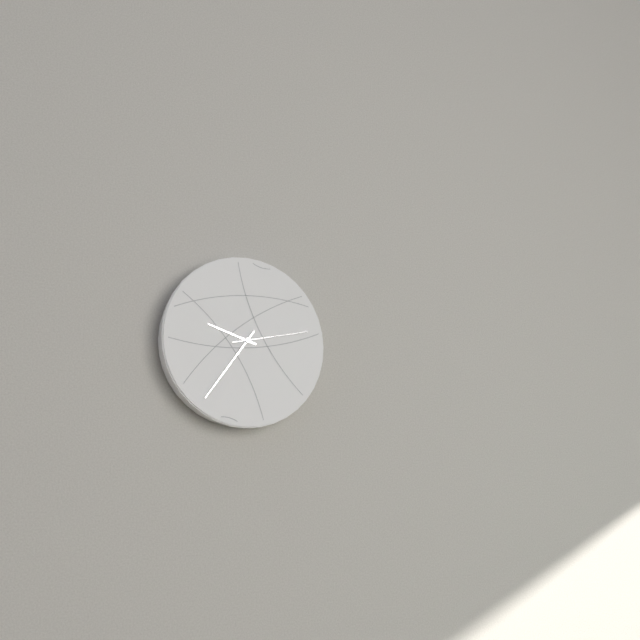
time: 9:36:13
